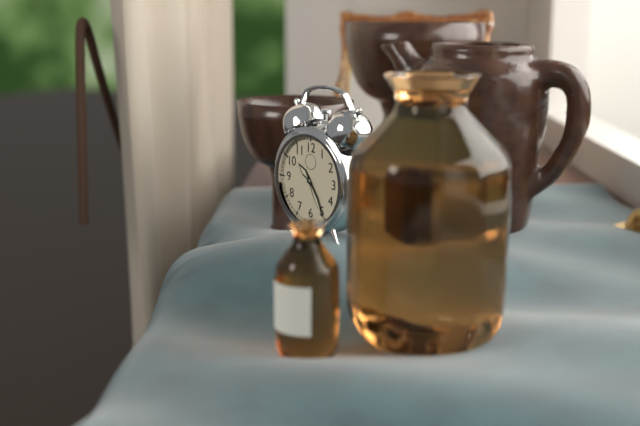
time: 10:25
